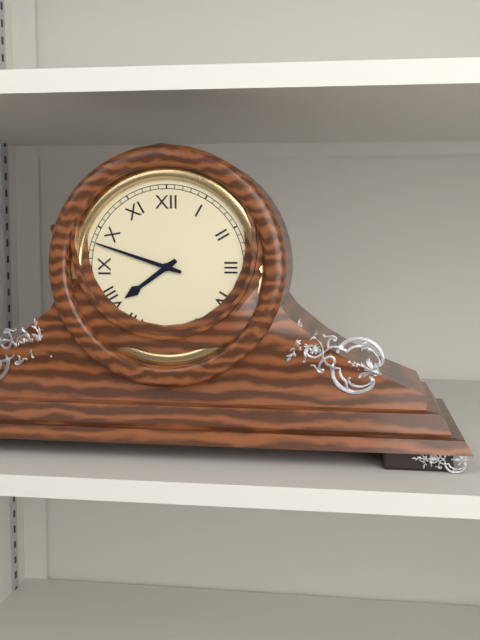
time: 7:48
